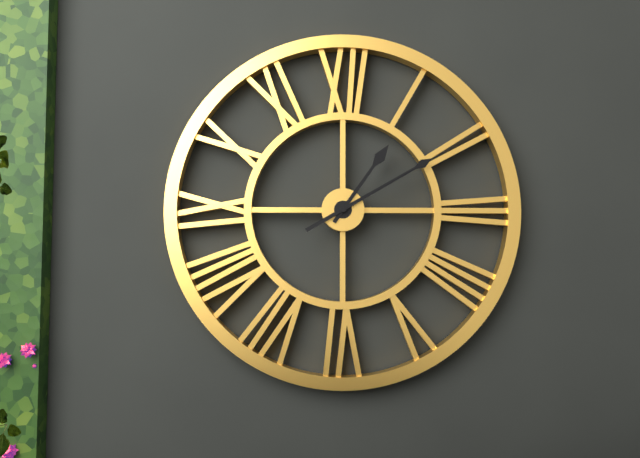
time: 1:10
